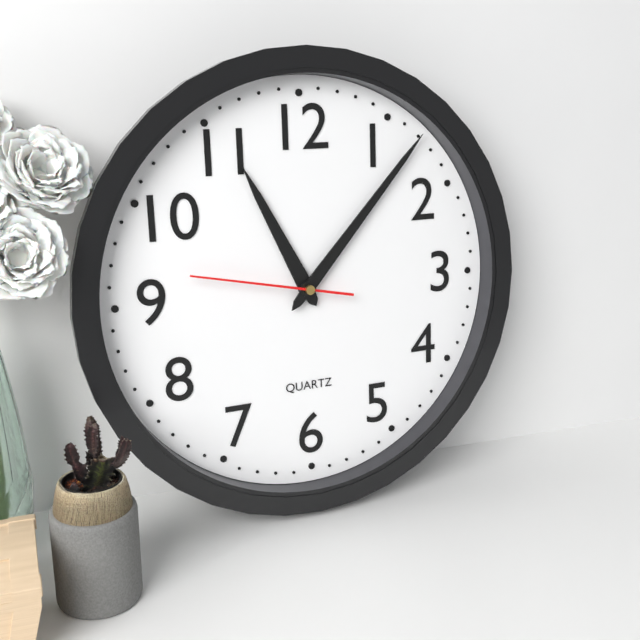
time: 11:07:47
